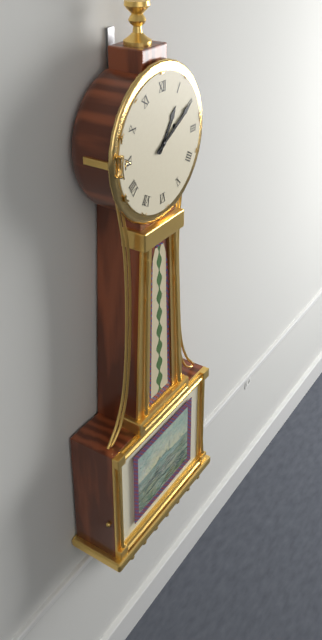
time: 1:10
